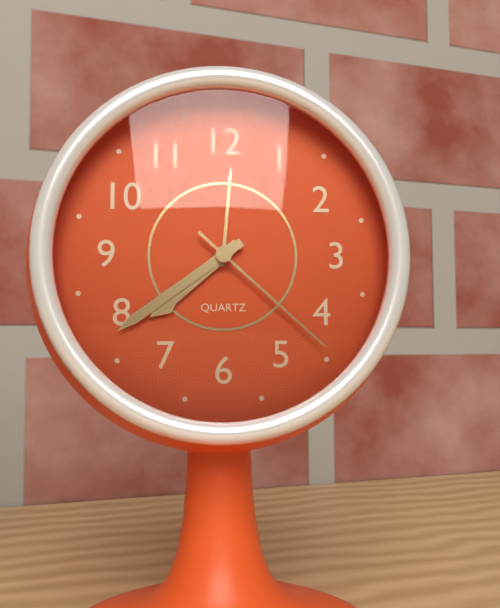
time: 7:39:22
